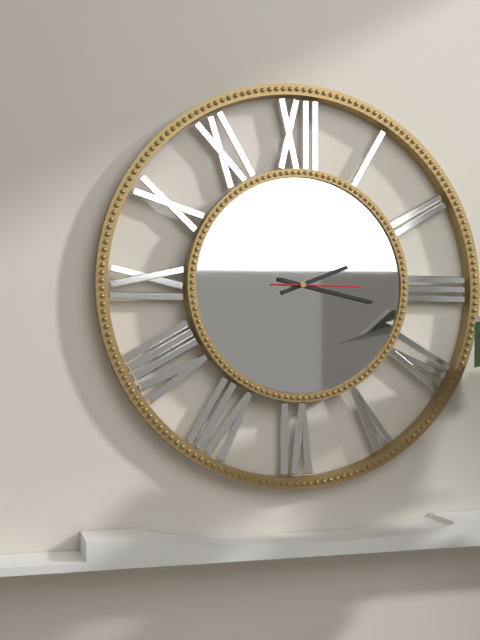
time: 2:17:15
